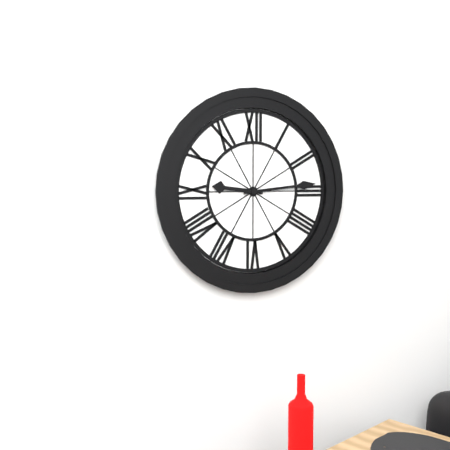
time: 9:14
